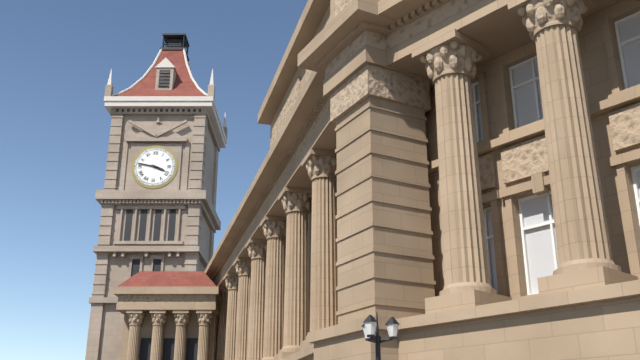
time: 3:47
